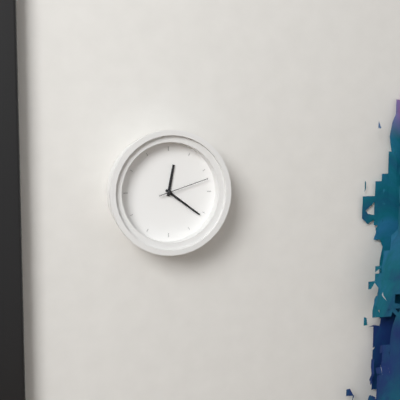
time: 12:21:12
